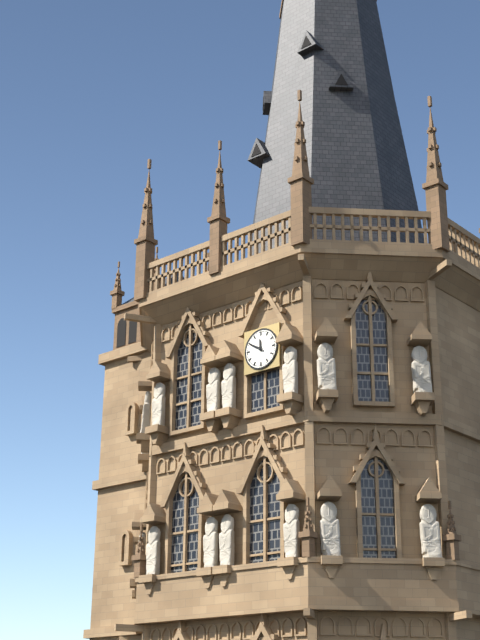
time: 11:50
